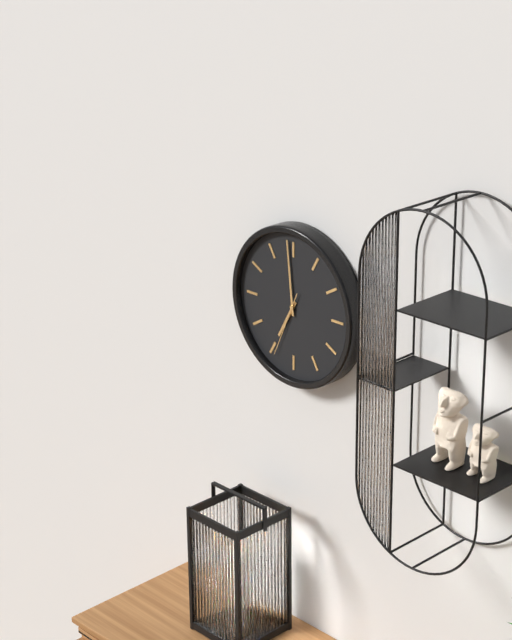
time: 6:59:34
